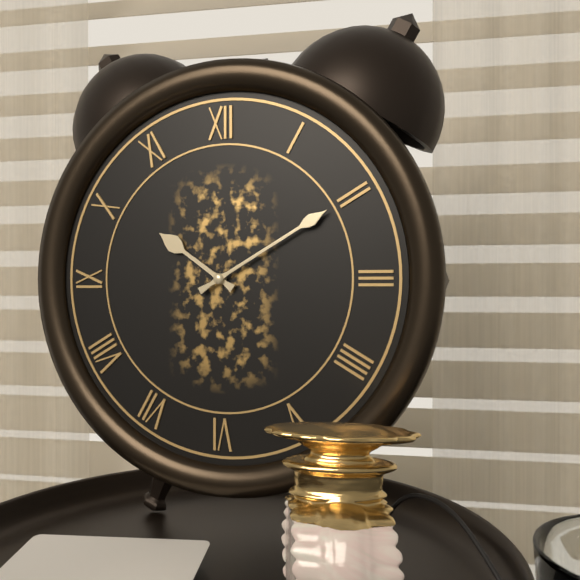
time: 10:10
